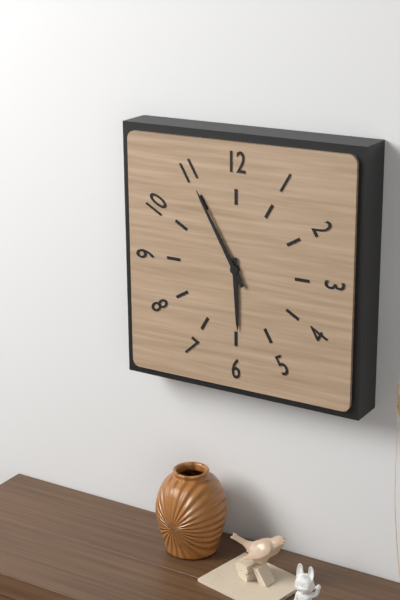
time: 5:55
